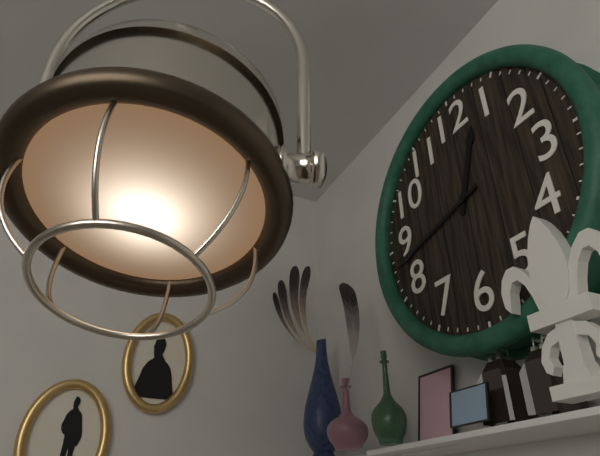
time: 12:43
